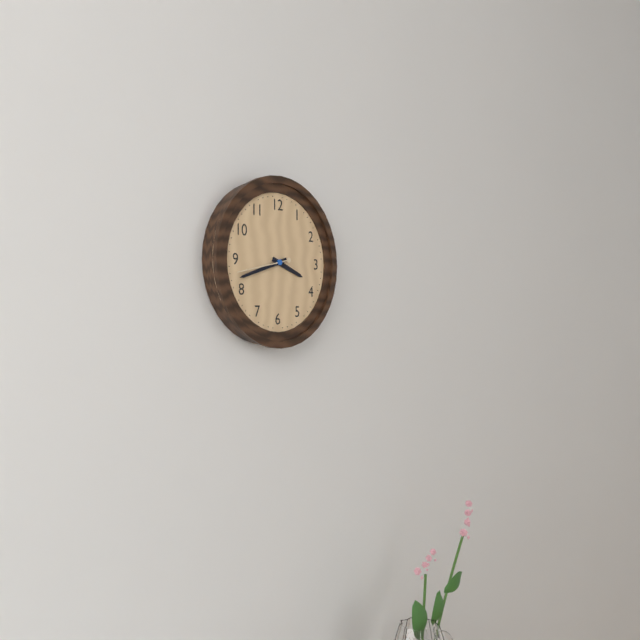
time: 3:42:43
